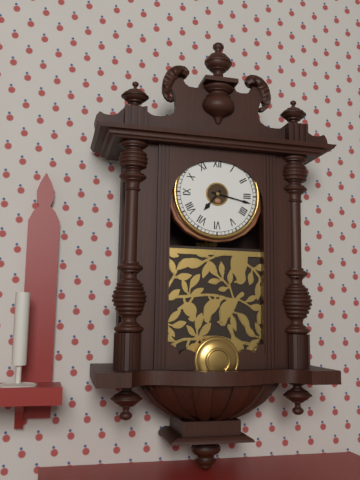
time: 7:17
